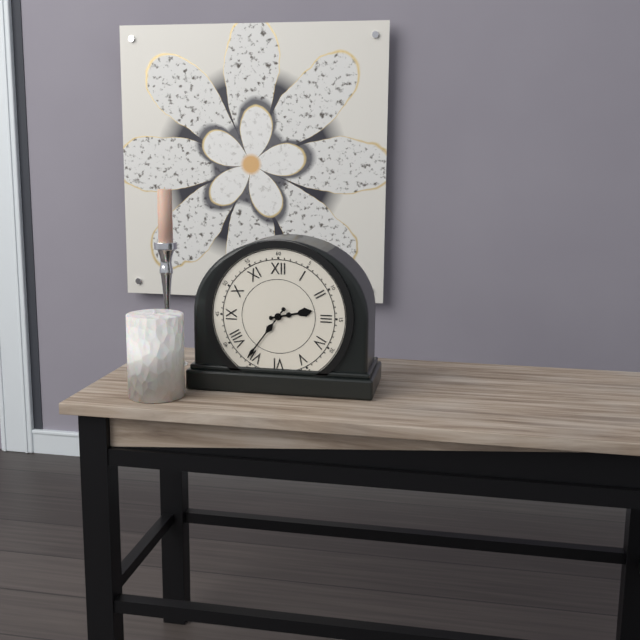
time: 2:36
